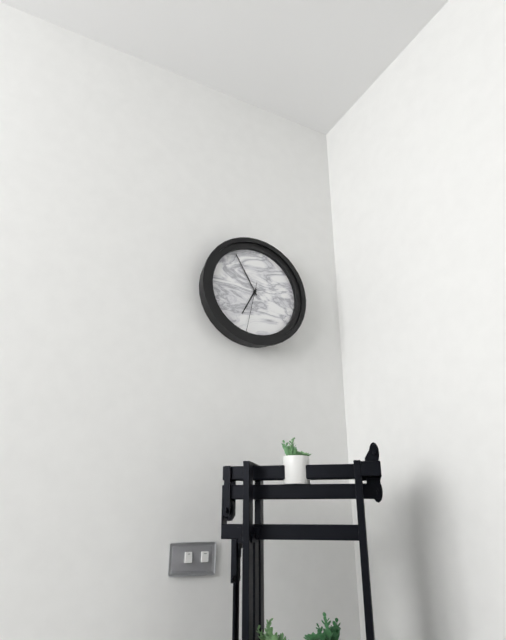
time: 6:55:32
